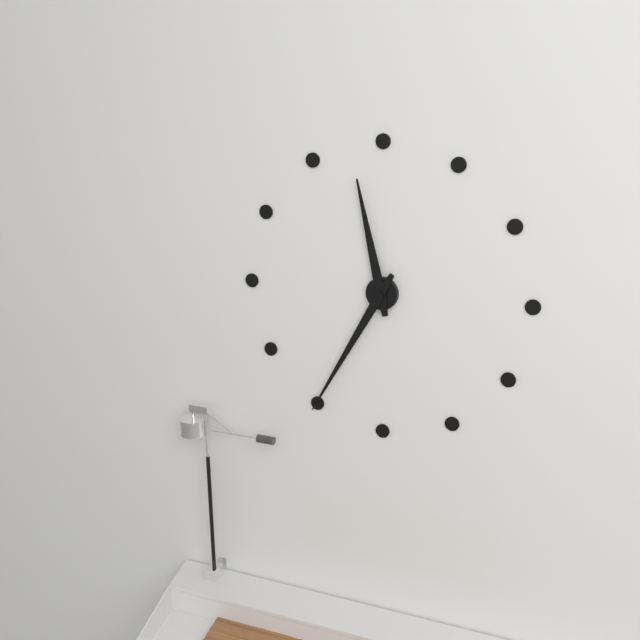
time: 11:35
